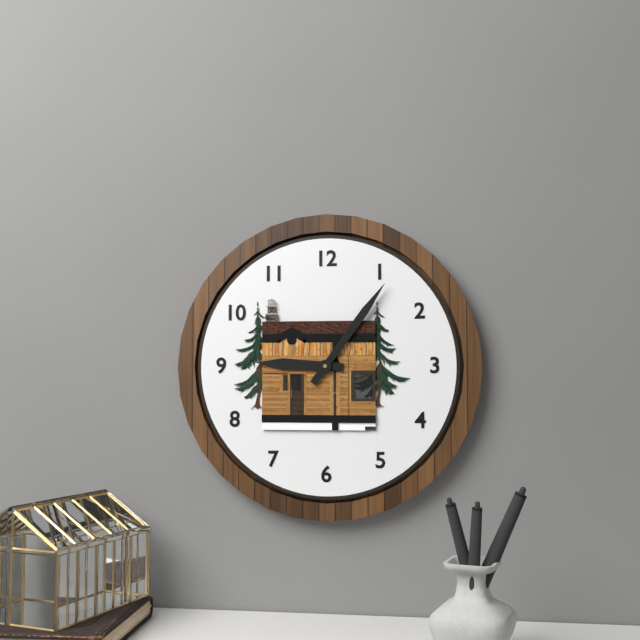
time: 9:06
